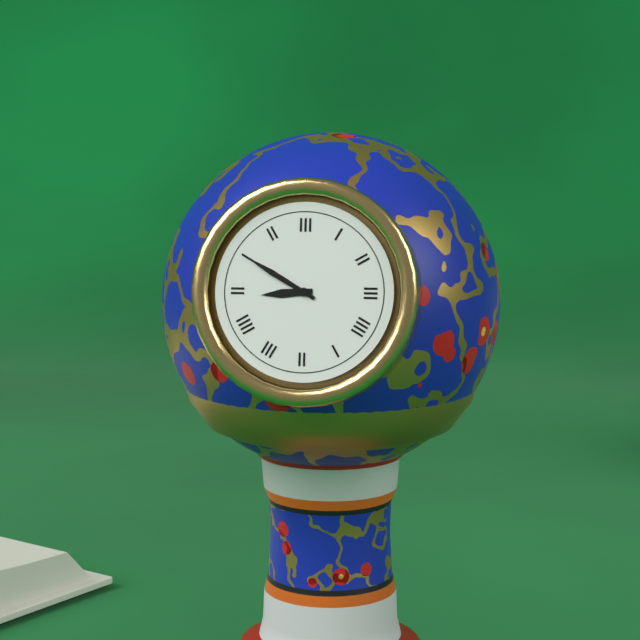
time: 8:50
